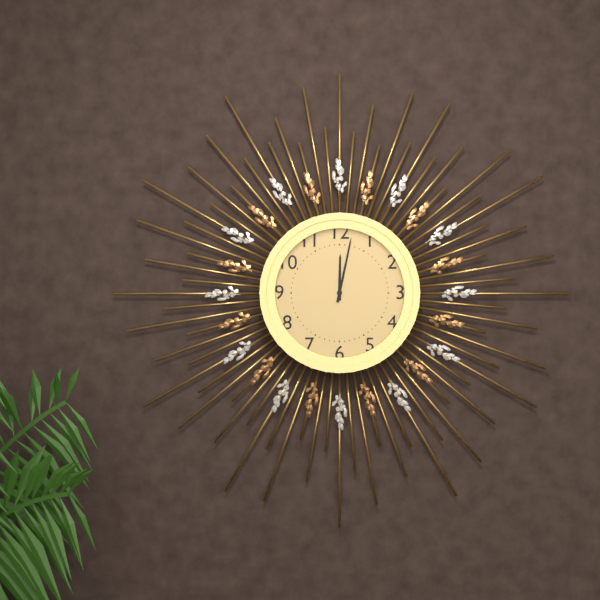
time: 12:02
